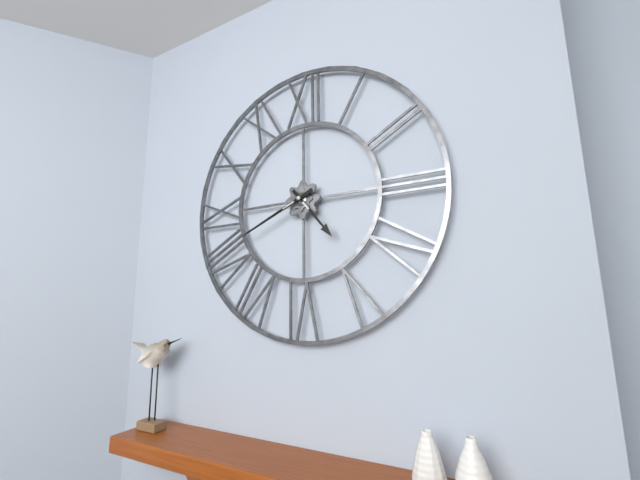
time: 4:41
